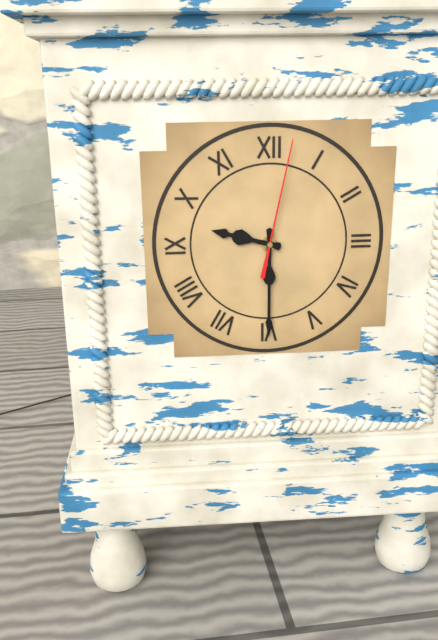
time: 9:30:02
